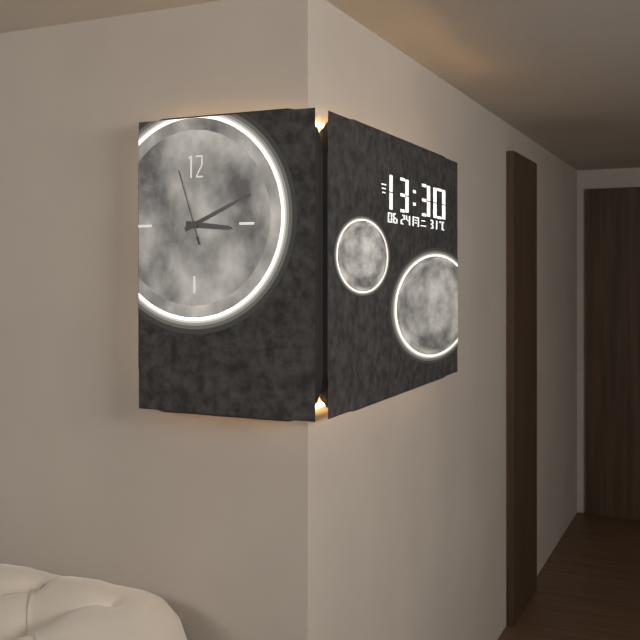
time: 3:11:57
